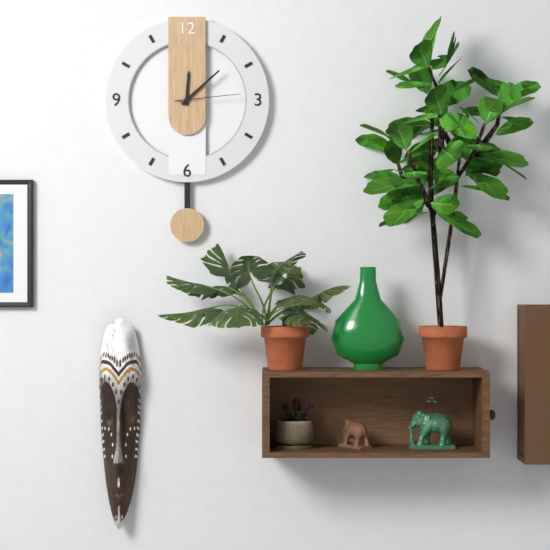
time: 12:08:14
